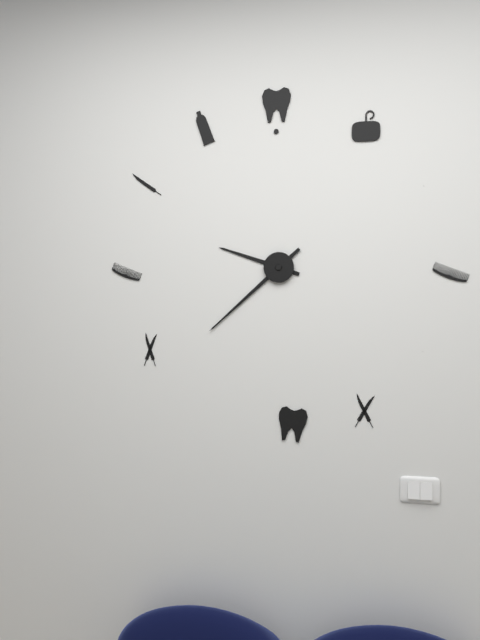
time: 9:38
